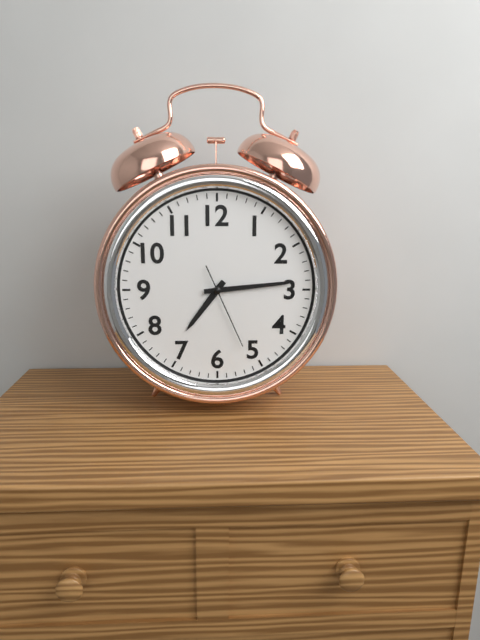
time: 7:14:26
